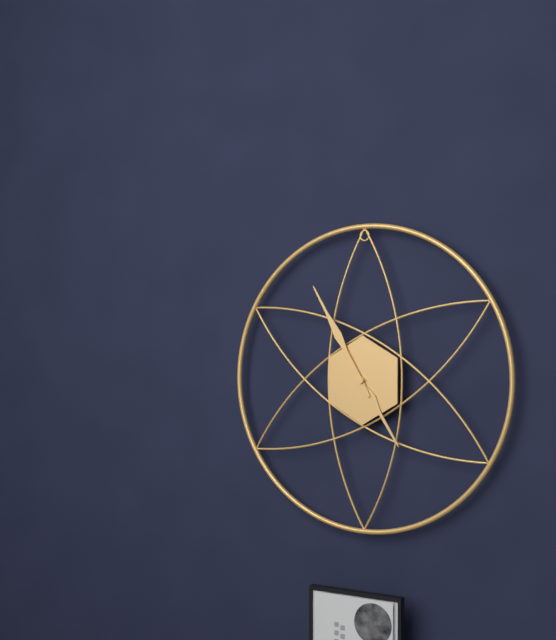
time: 4:55
